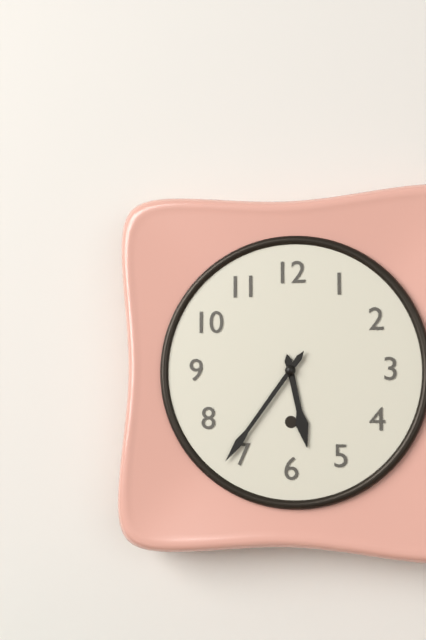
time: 5:36
